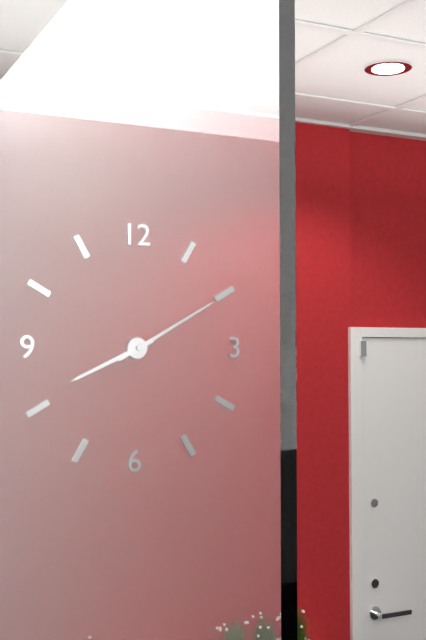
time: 8:10
